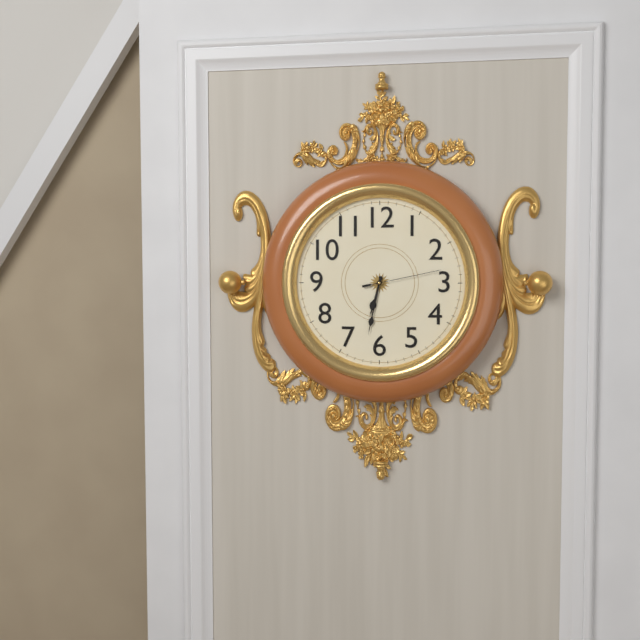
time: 6:32:13
